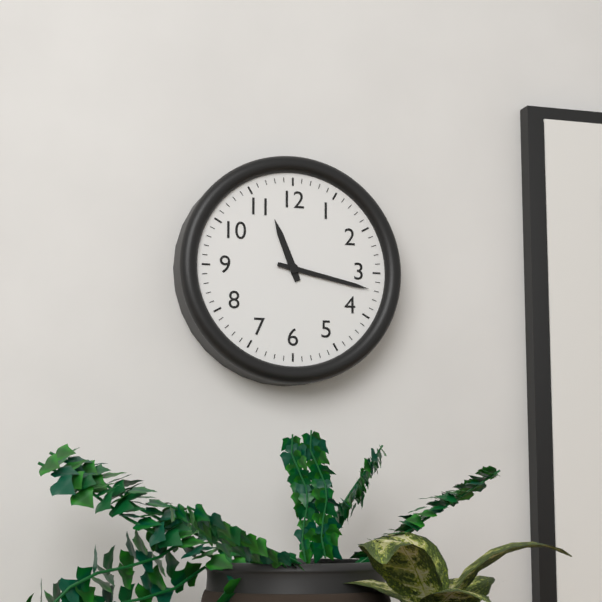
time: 11:17
